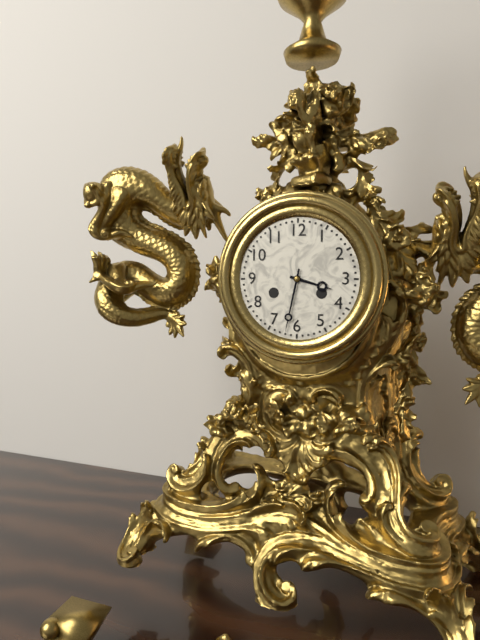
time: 3:32
